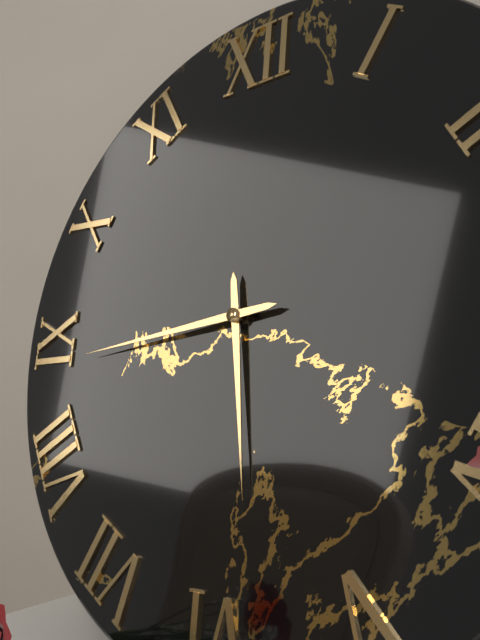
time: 5:44
